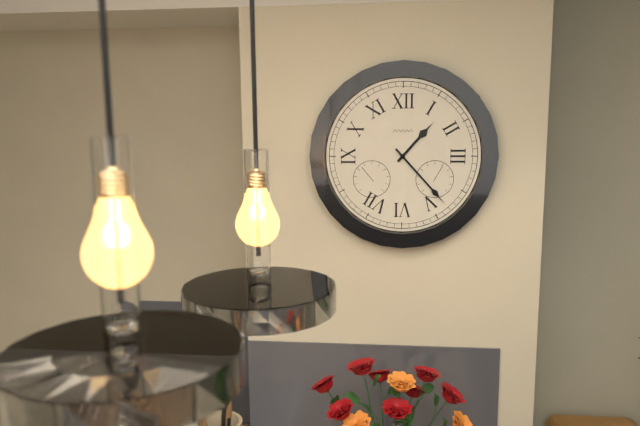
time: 1:23
